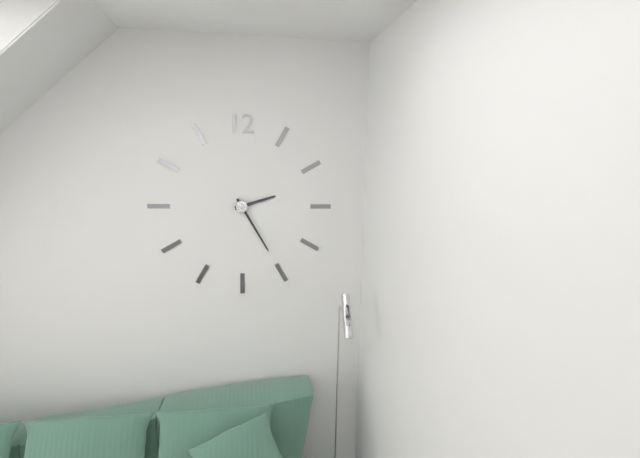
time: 2:25
